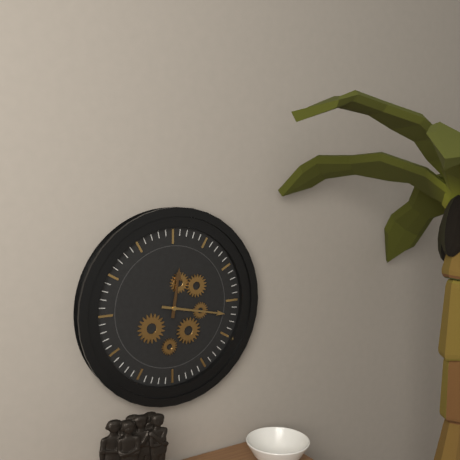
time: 12:17
